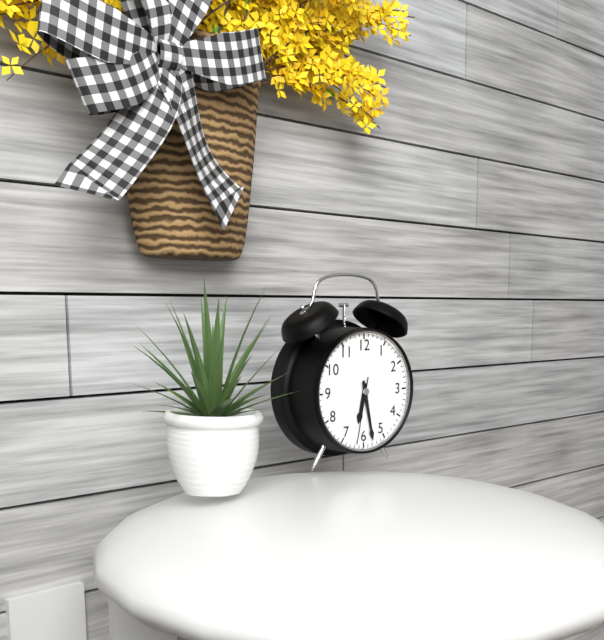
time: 6:28:32
